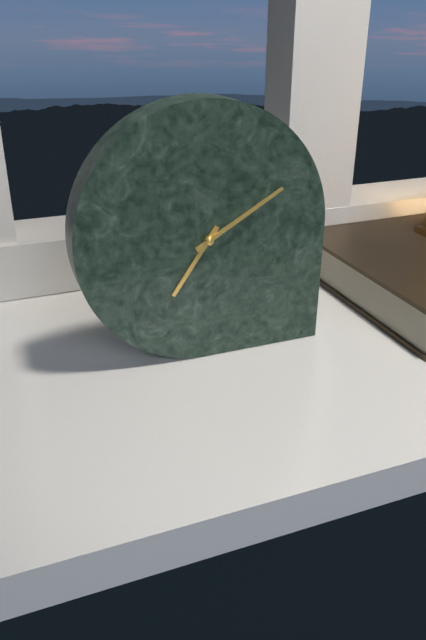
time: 7:10
